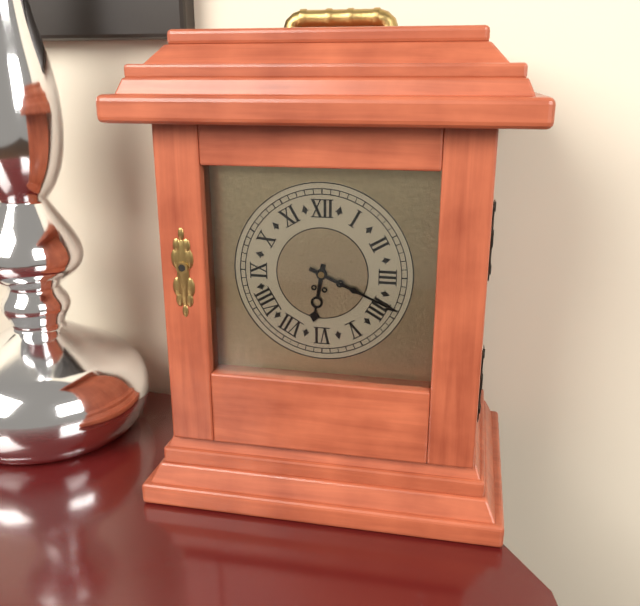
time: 6:19
